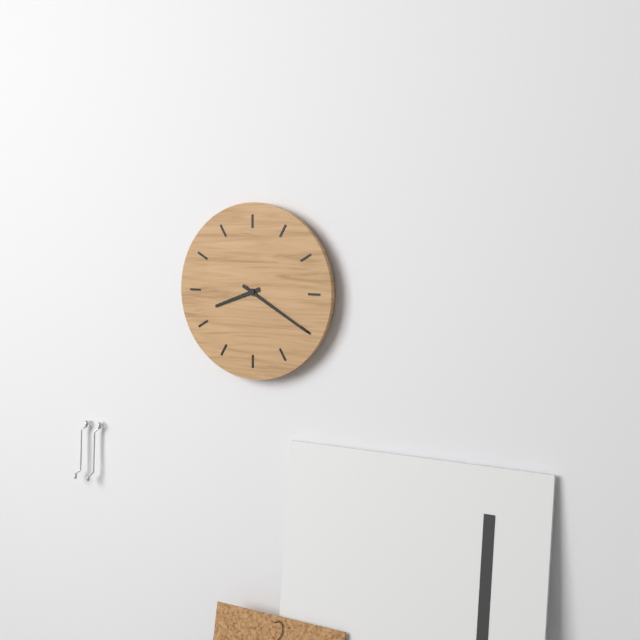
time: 8:20
